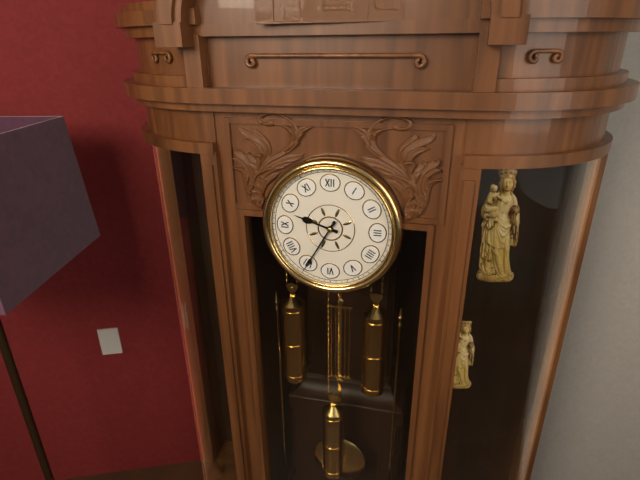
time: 9:35
